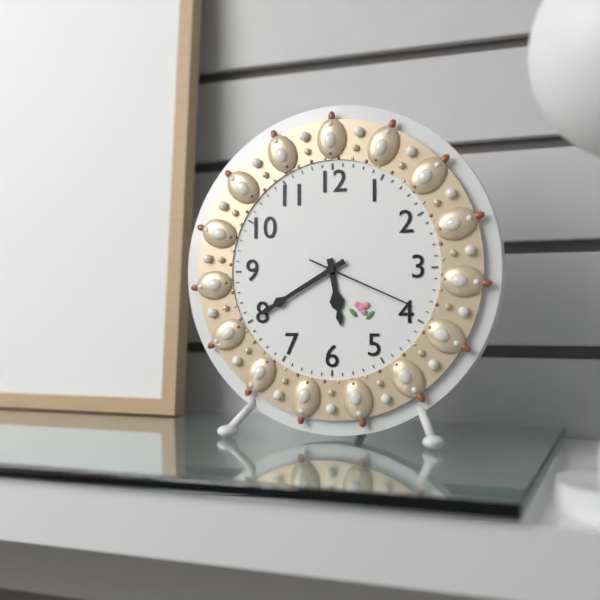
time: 5:40:19
